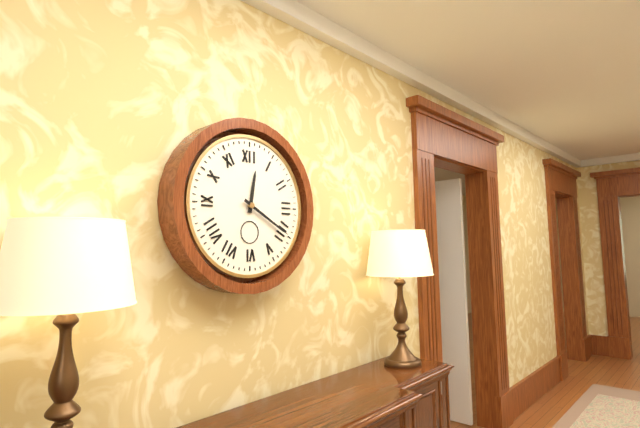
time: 12:20
